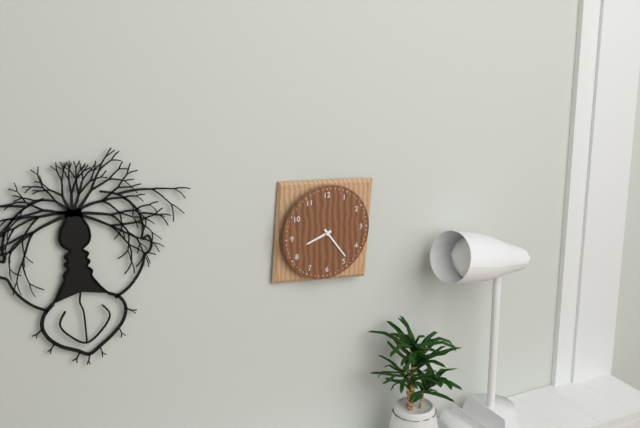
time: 8:24
